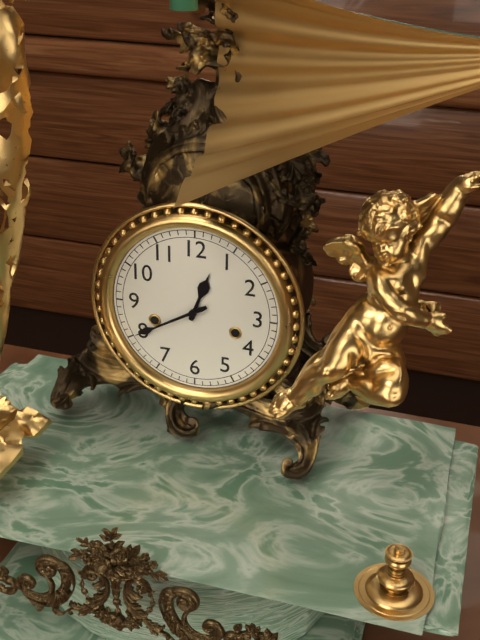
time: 12:40
